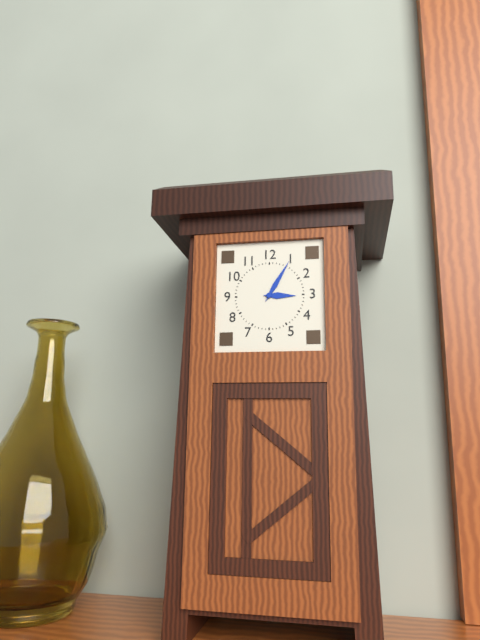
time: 3:05
